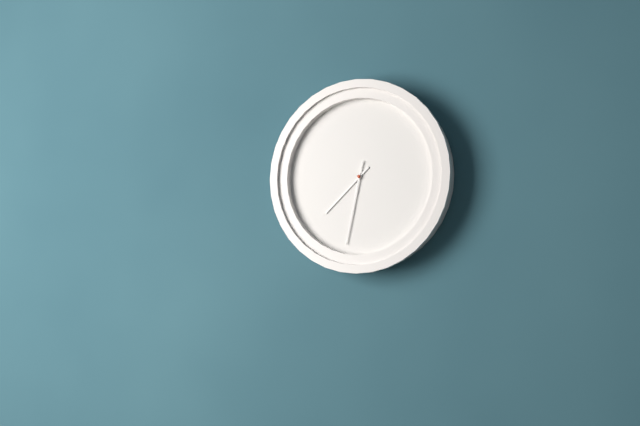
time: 7:32
